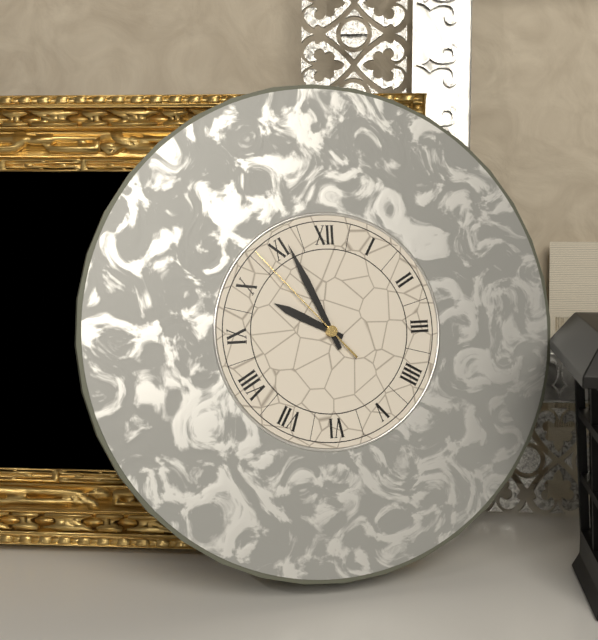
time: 9:56:53
